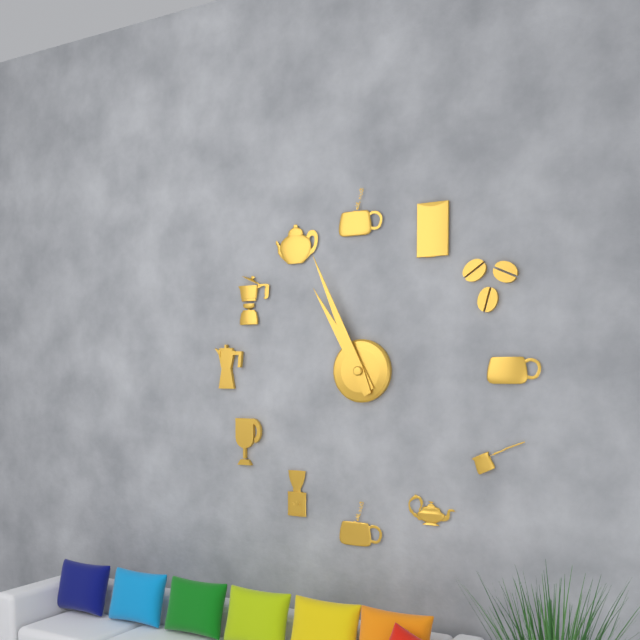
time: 10:56
